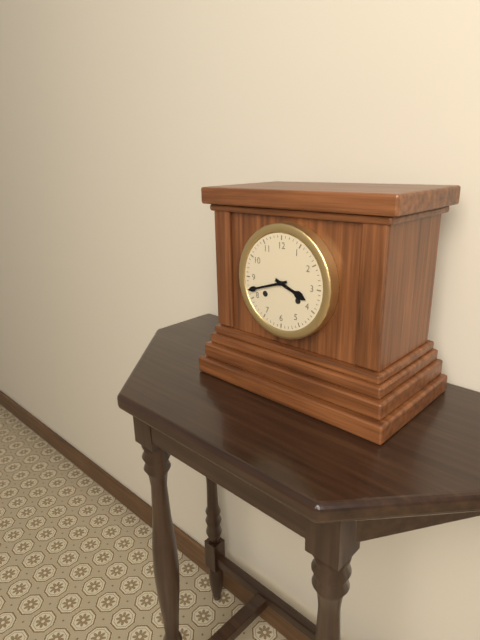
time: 3:42
